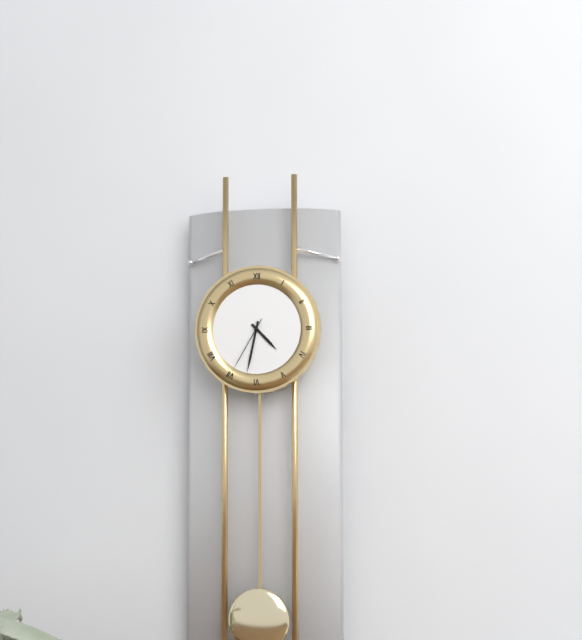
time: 4:32:35
